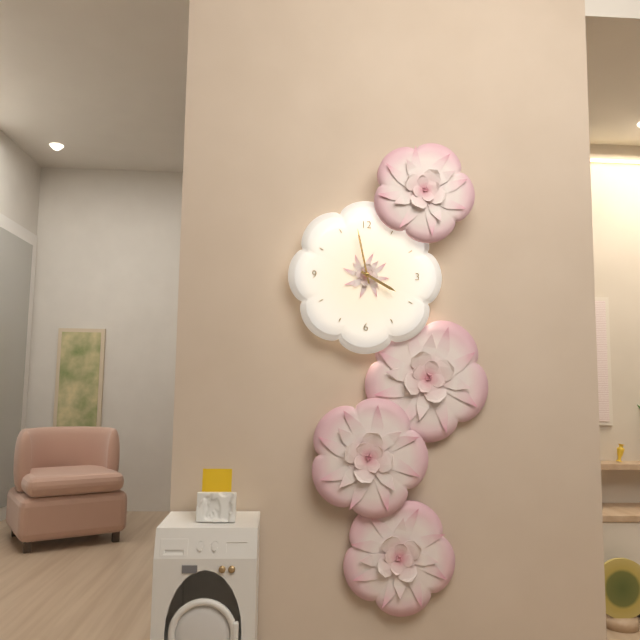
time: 3:58
